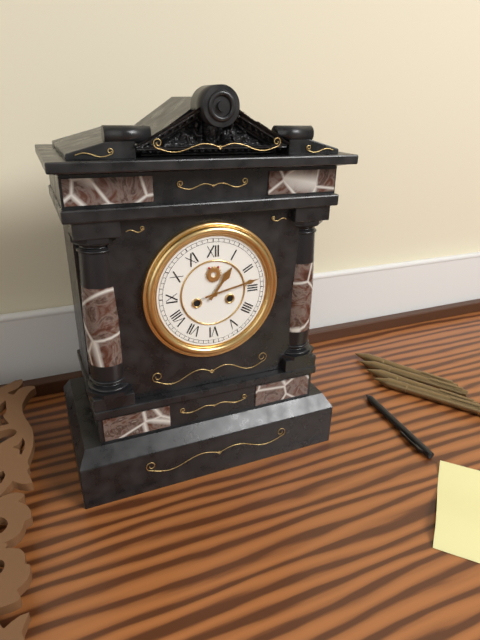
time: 1:13
